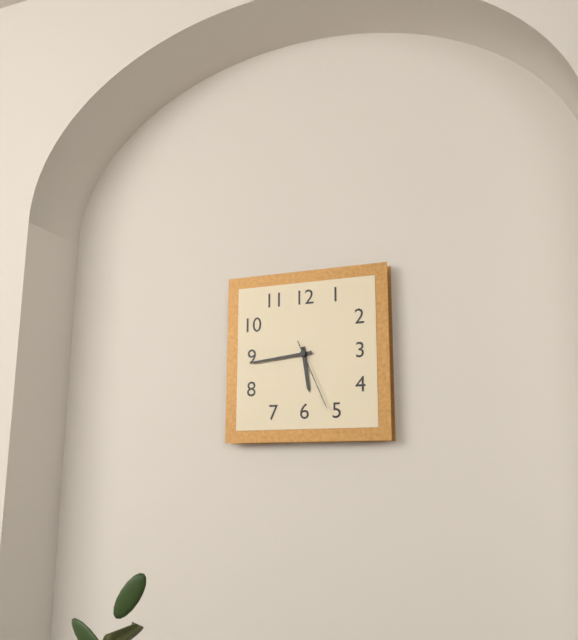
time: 5:44:26
